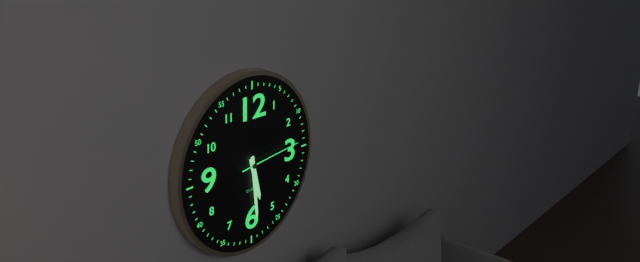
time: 5:29:14
